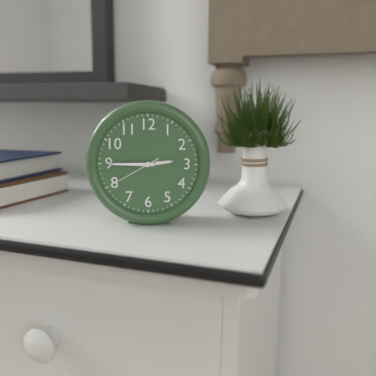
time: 2:45:40
